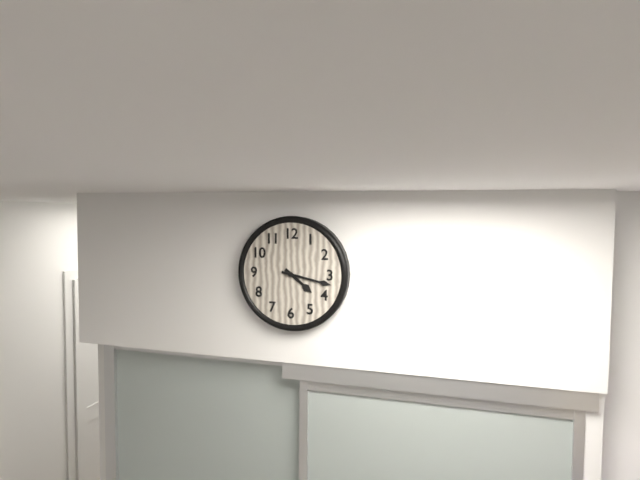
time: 4:17
